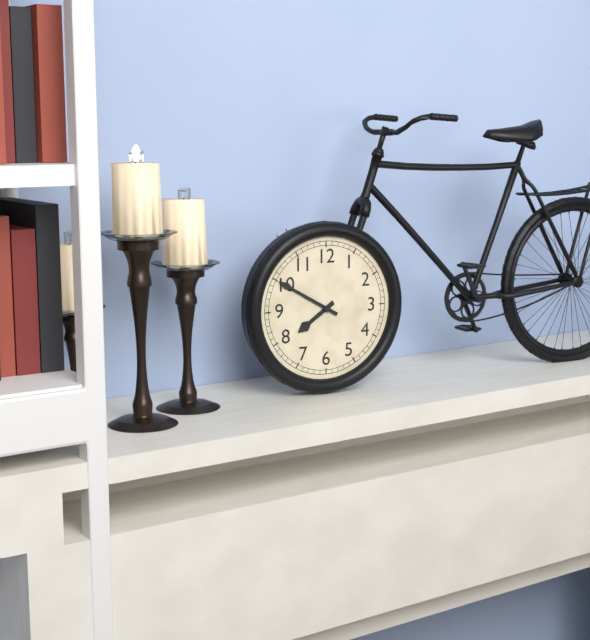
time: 7:50
